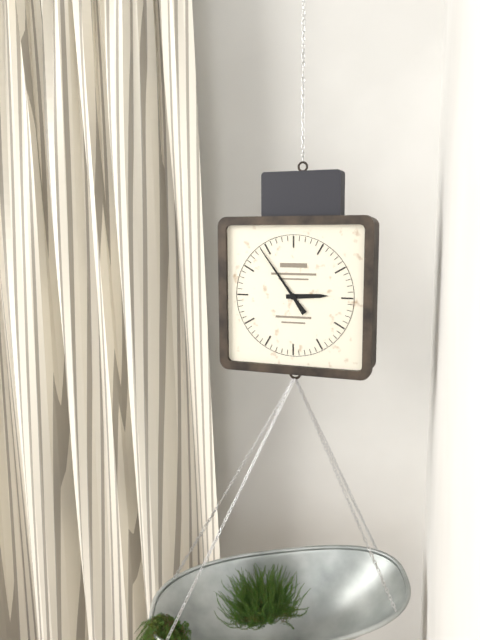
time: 2:54
